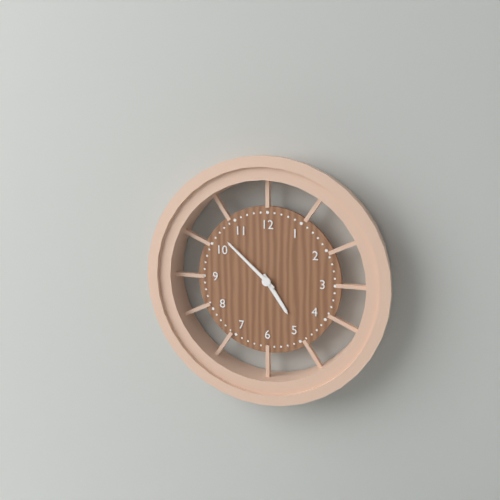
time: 4:52
